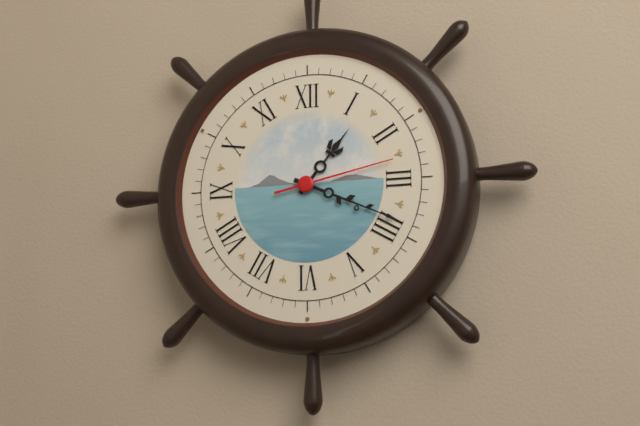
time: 1:19:13
